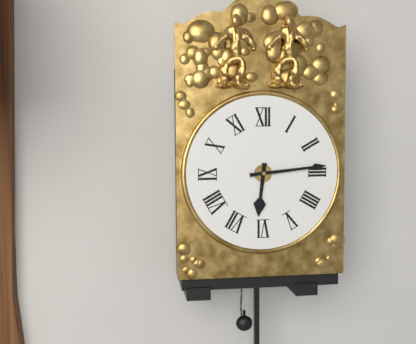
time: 6:14
